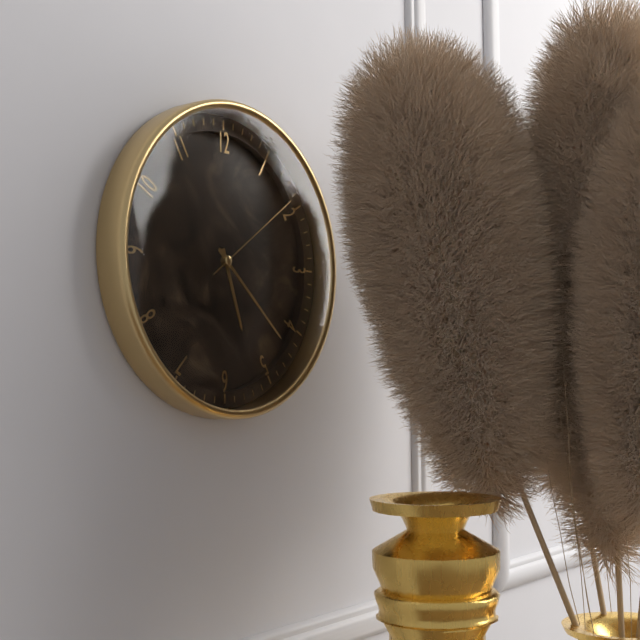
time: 5:22:09
